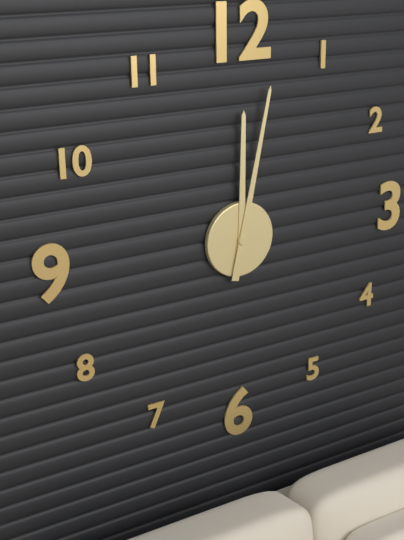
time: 12:02
